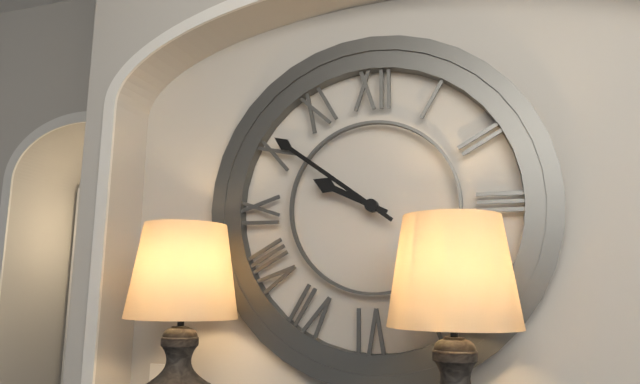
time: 9:51
